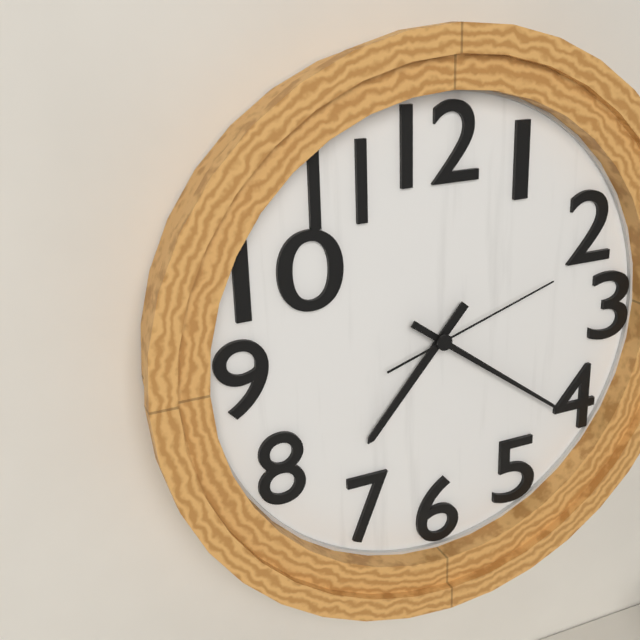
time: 7:21:12
